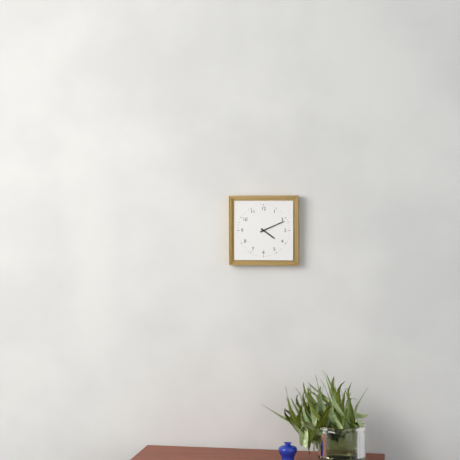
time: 4:11
